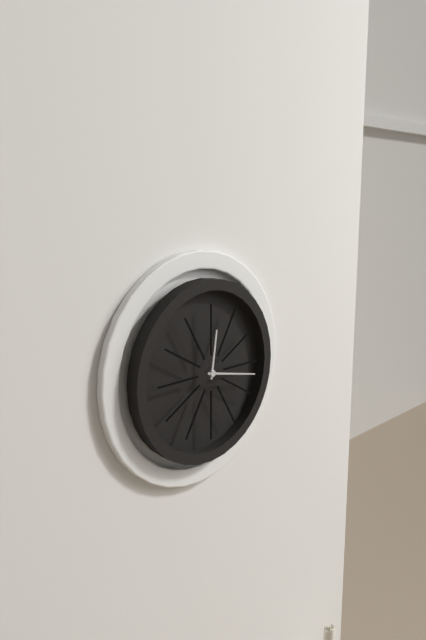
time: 12:17
